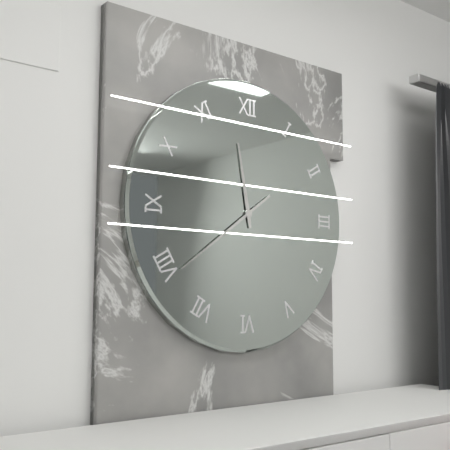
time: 11:39
